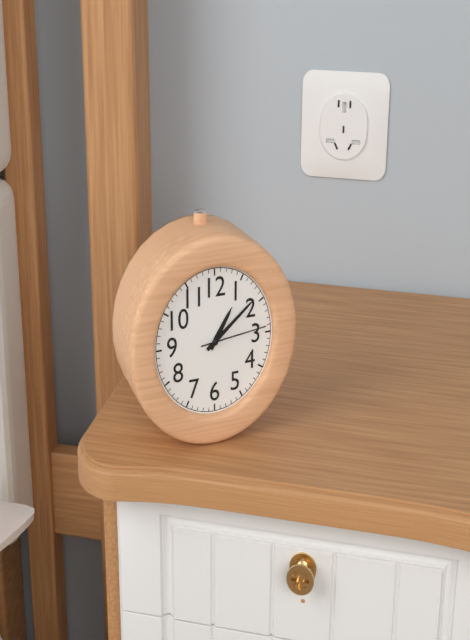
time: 1:09:14
